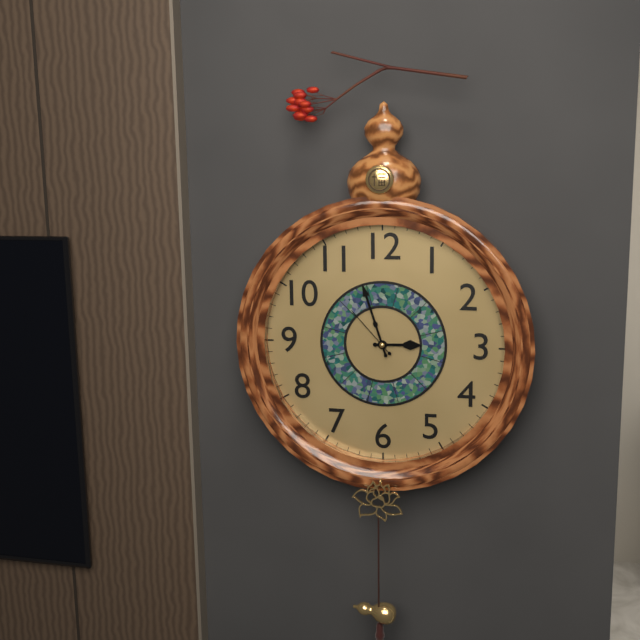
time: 2:57:53
